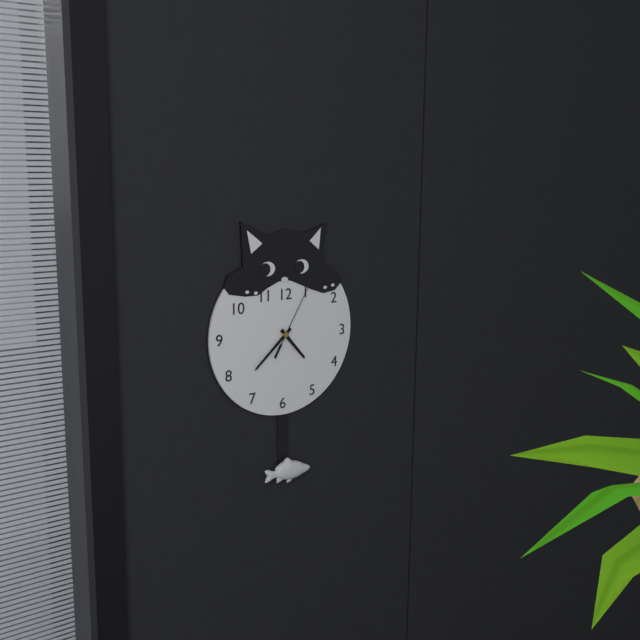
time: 4:38:05
